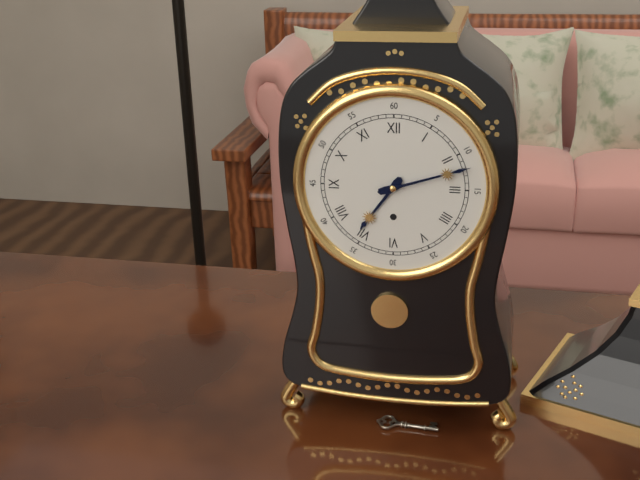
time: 7:12
